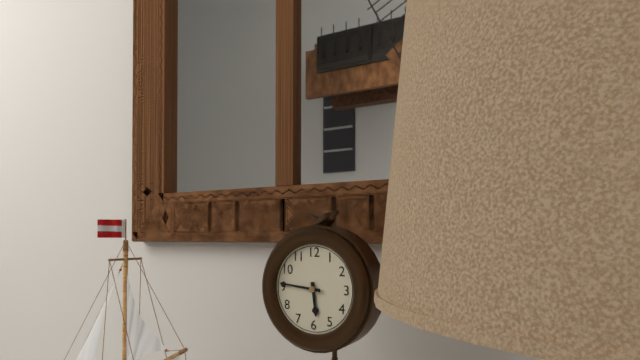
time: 5:46
